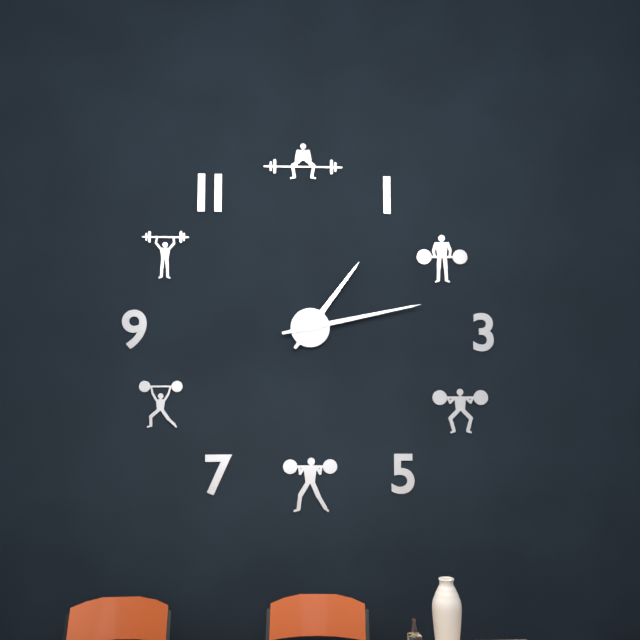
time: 1:13
